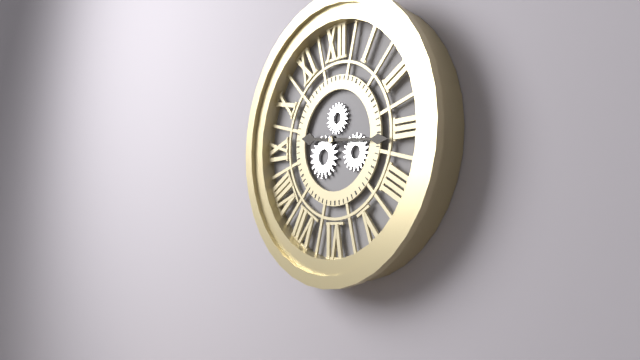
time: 9:16
